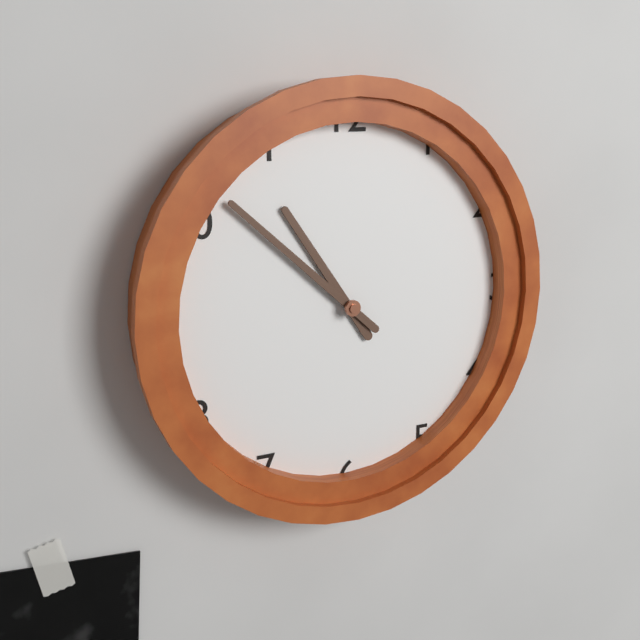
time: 10:52
